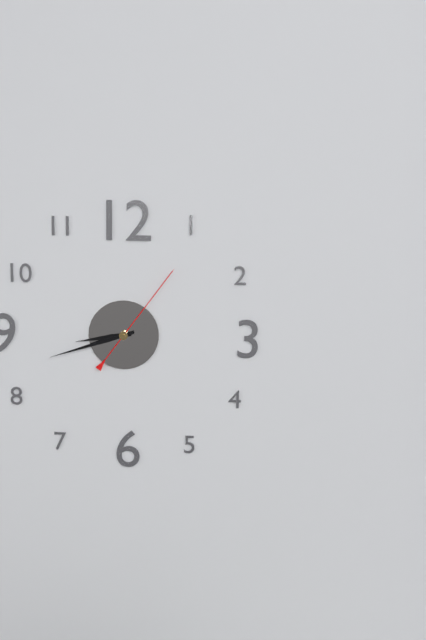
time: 8:42:06
